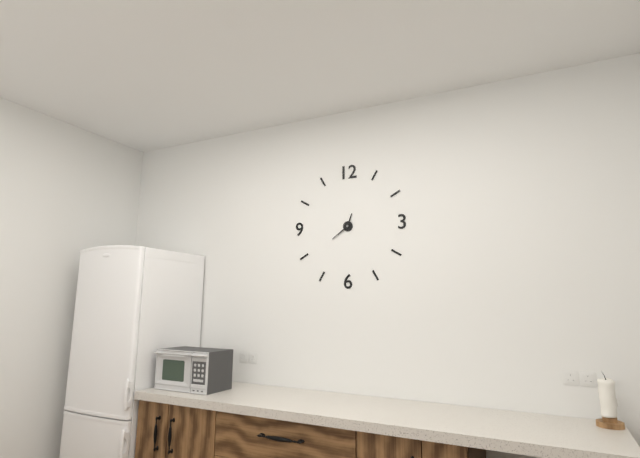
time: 12:39
